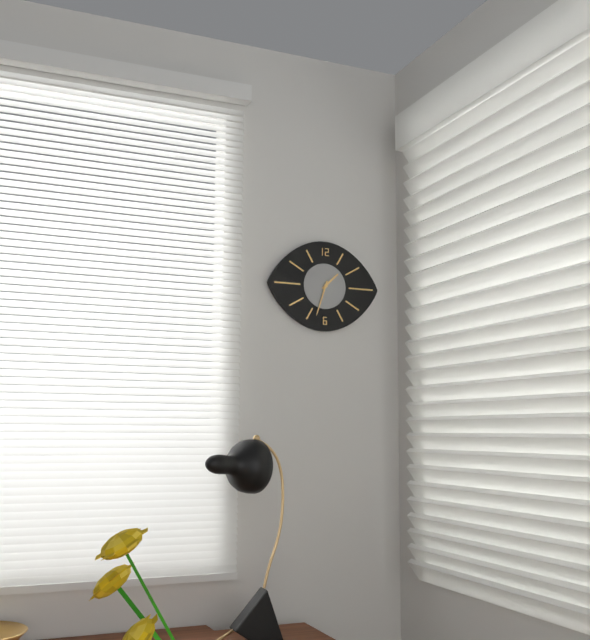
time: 1:33
